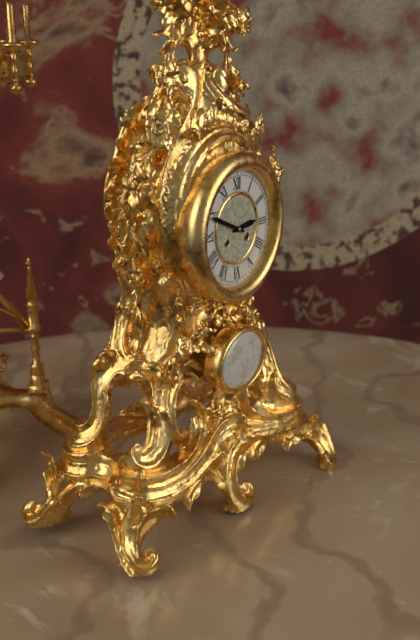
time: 2:49
